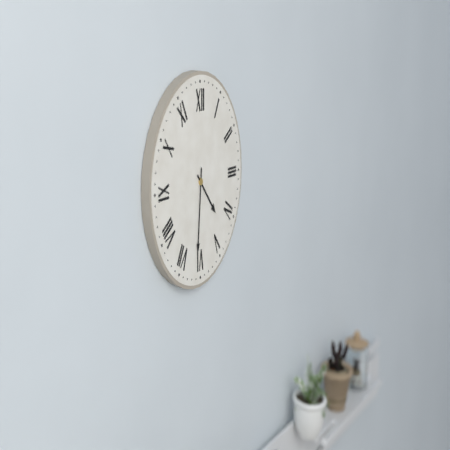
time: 4:31
